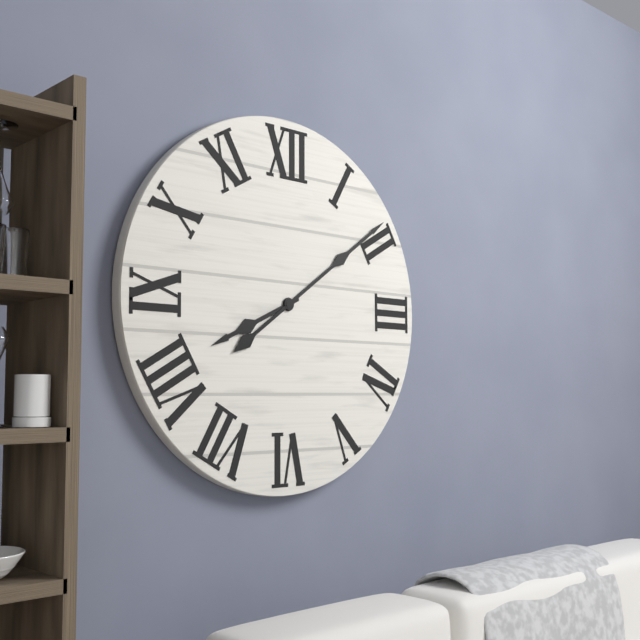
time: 8:09
